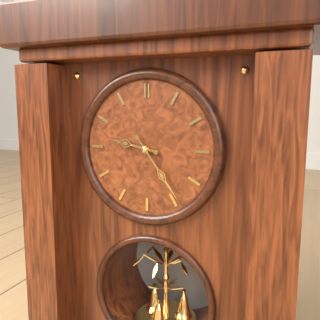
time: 9:24
